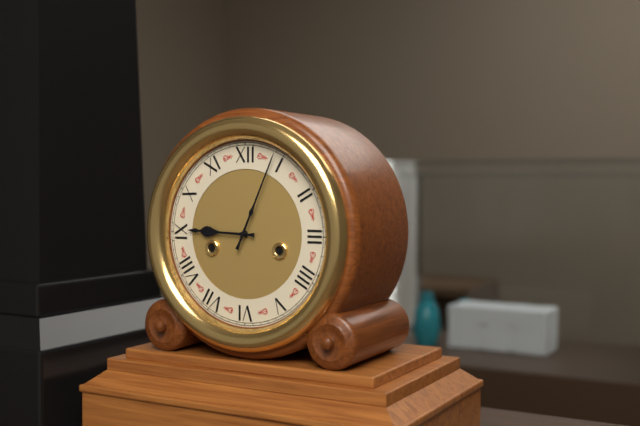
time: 9:04
